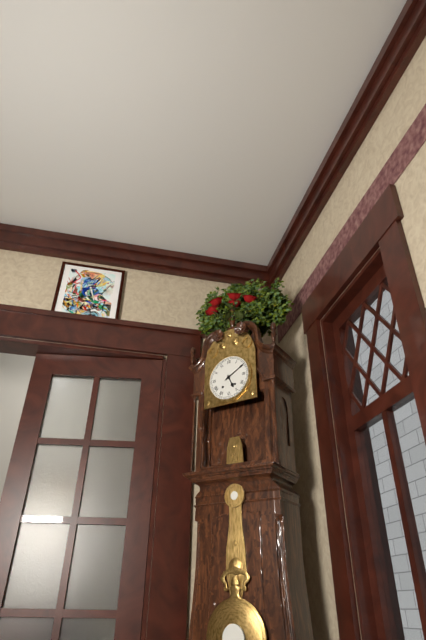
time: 5:10
